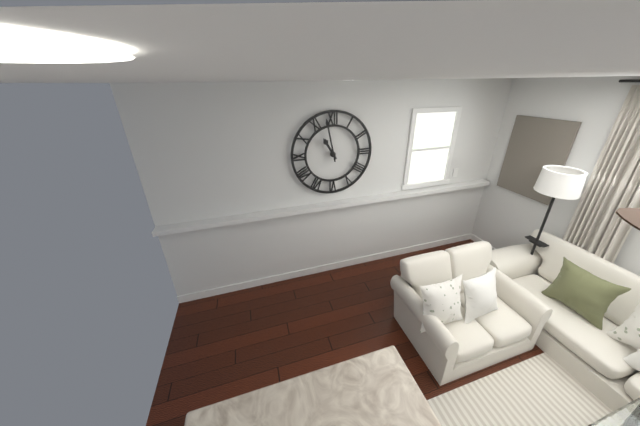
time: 10:58
